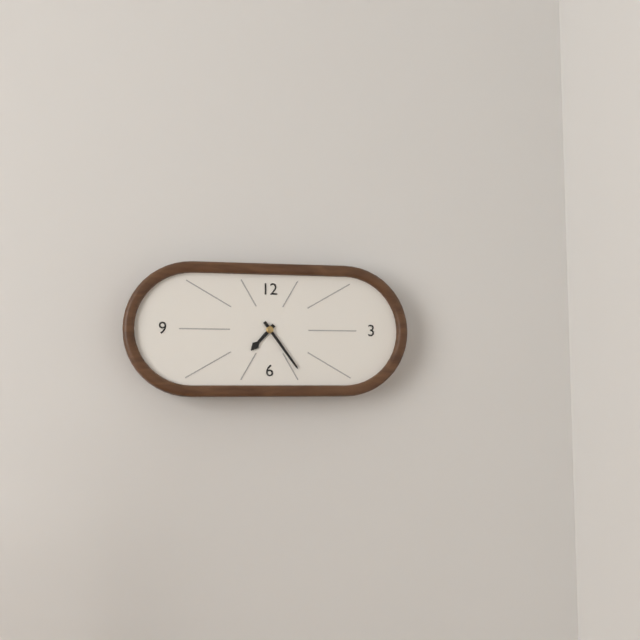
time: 7:24
